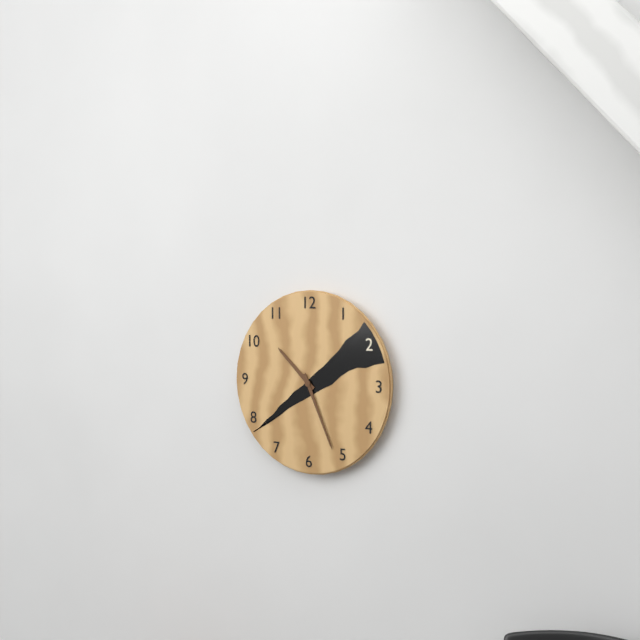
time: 10:26
